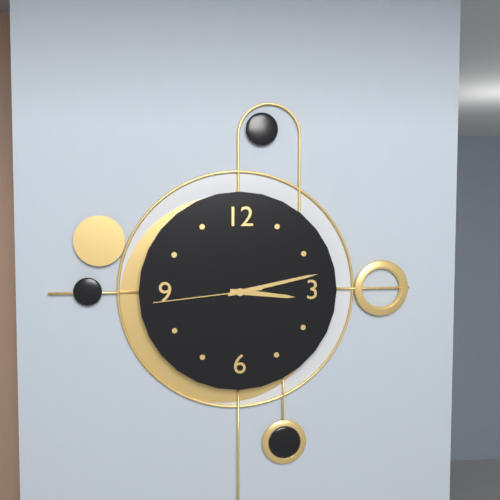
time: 3:13:44
